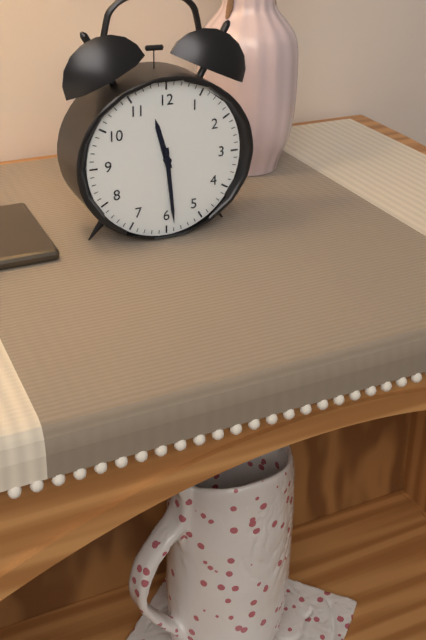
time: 11:29
